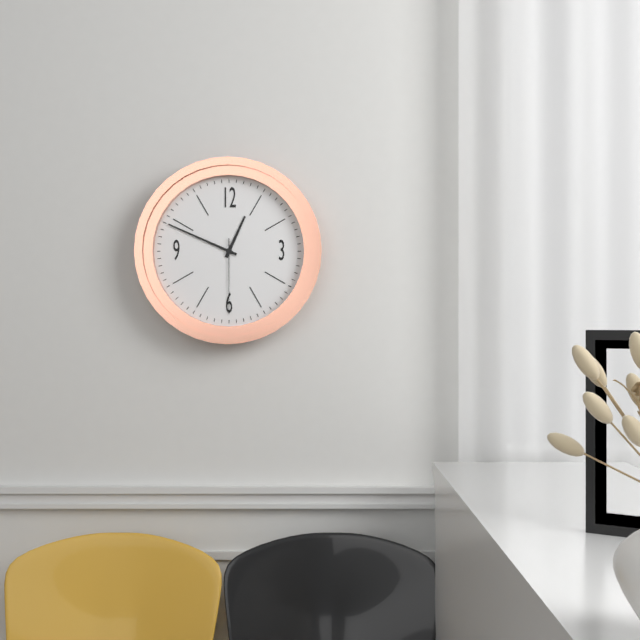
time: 12:49:30
